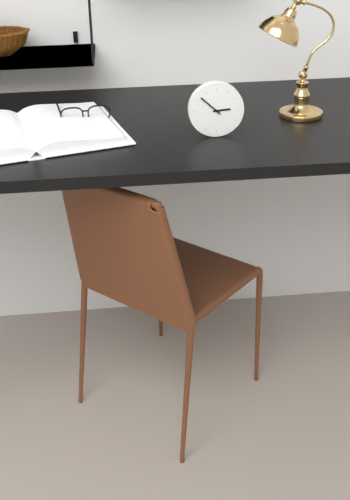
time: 2:52
